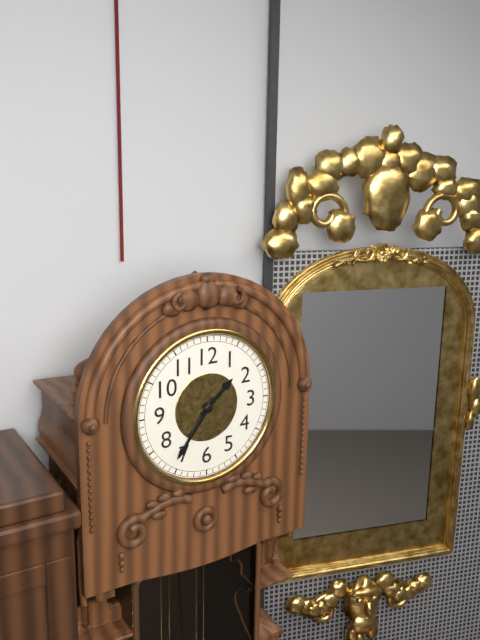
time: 1:36
